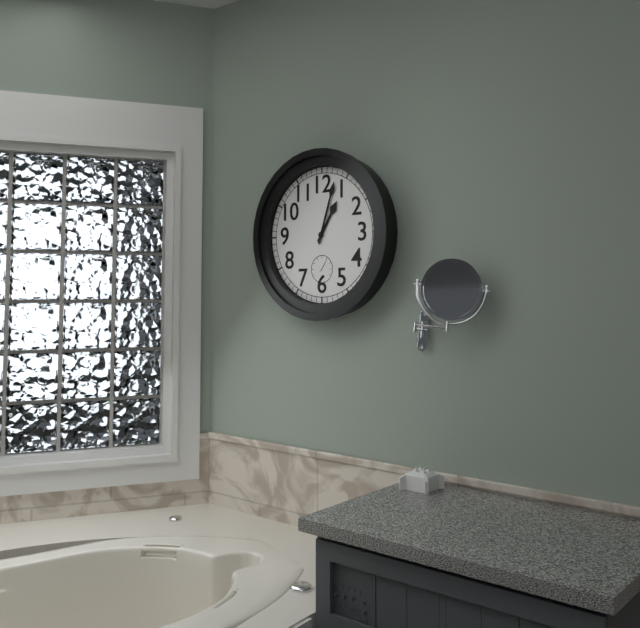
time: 1:03
